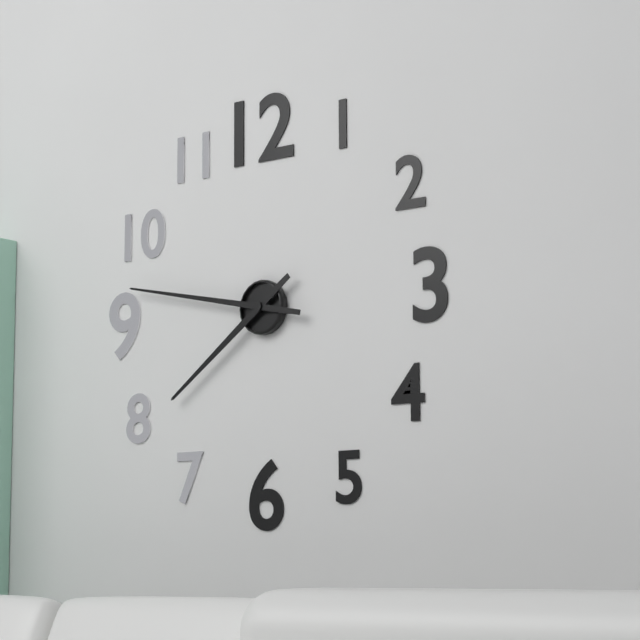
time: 7:47
